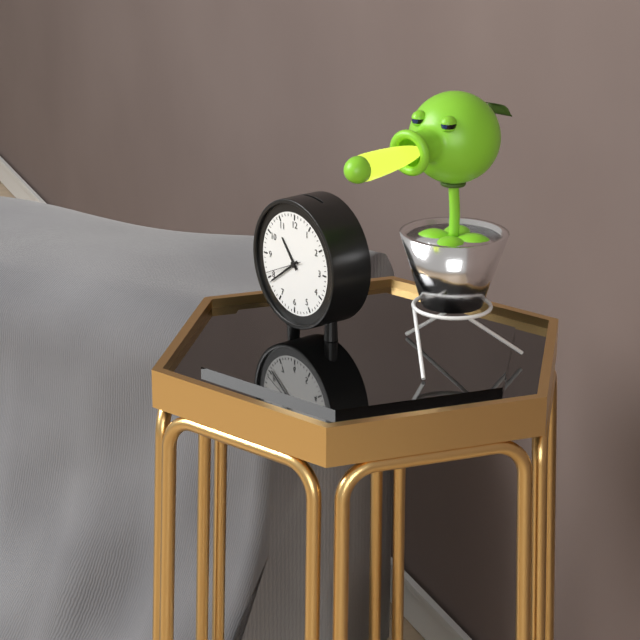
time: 10:39
